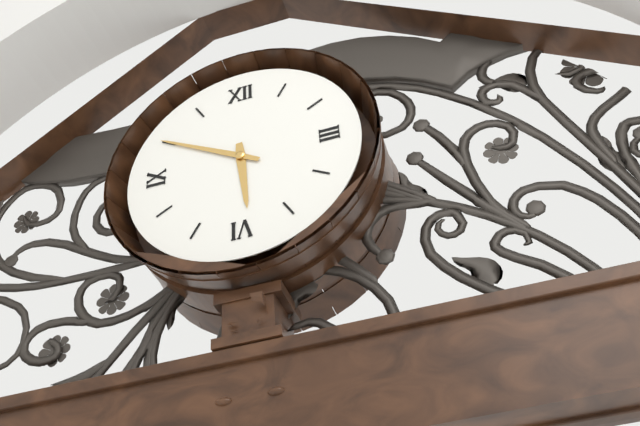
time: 5:50
